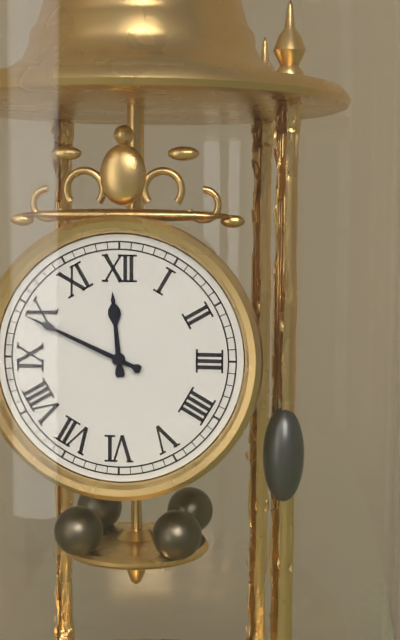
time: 11:49
